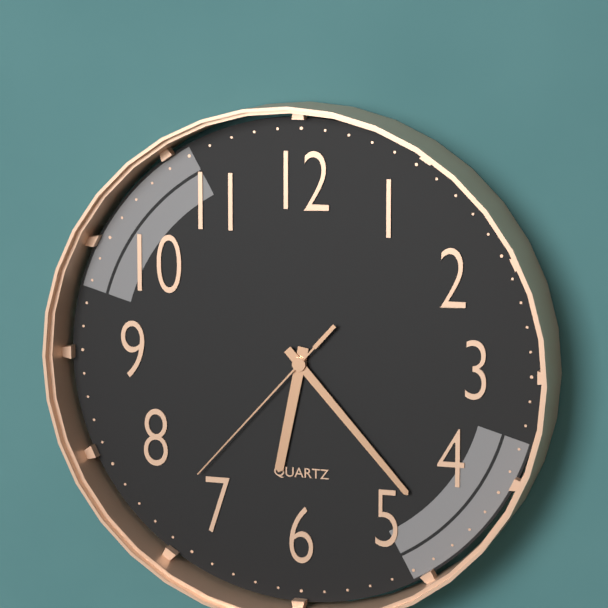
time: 6:23:37
